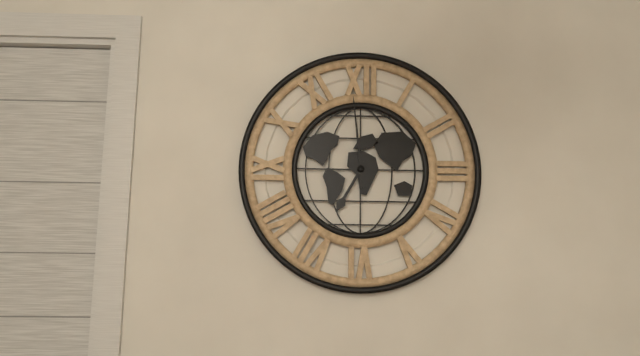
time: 6:59
